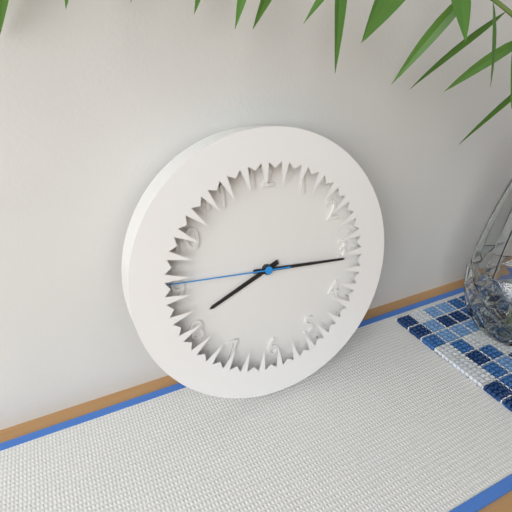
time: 8:16:46
